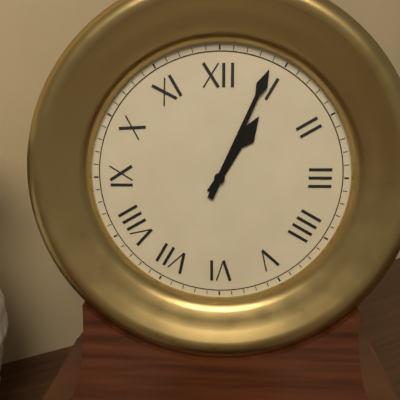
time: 1:04
